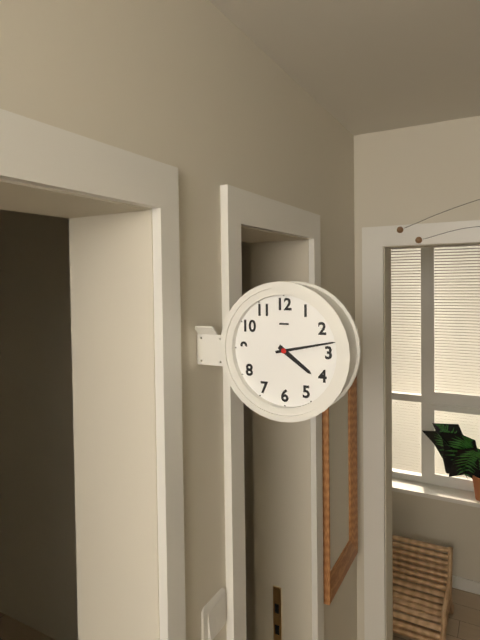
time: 4:13
